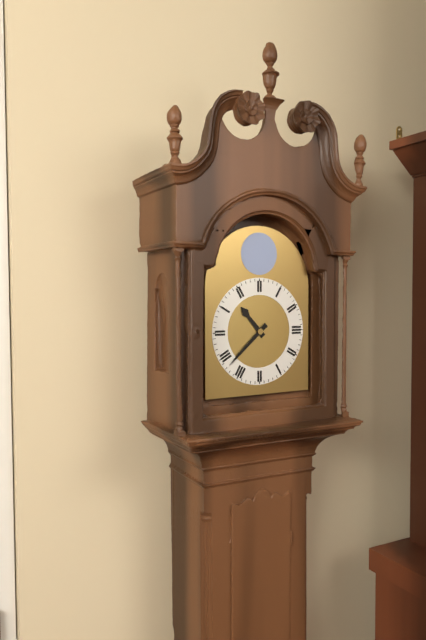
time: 10:38
